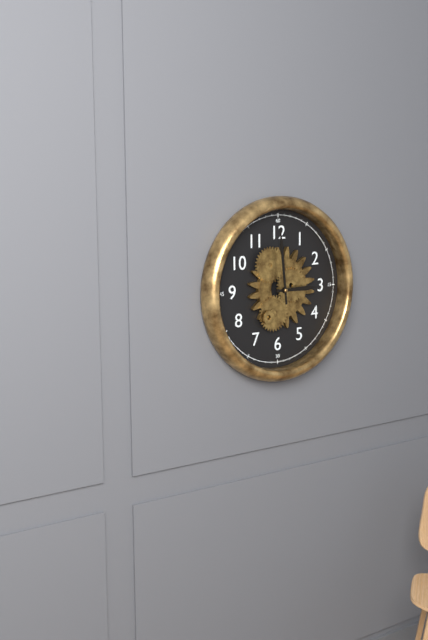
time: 2:59
